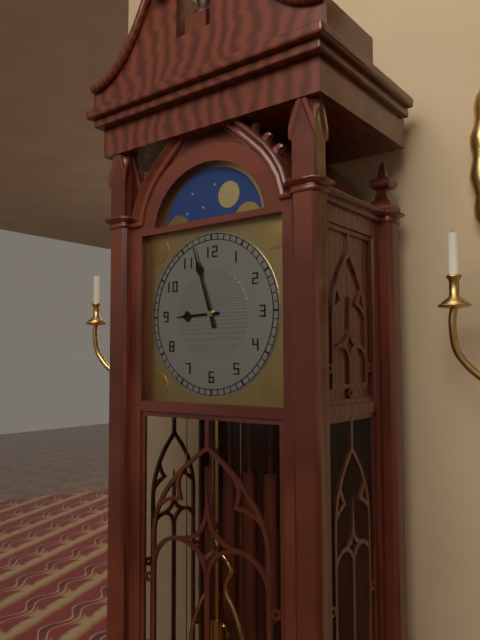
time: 8:57
